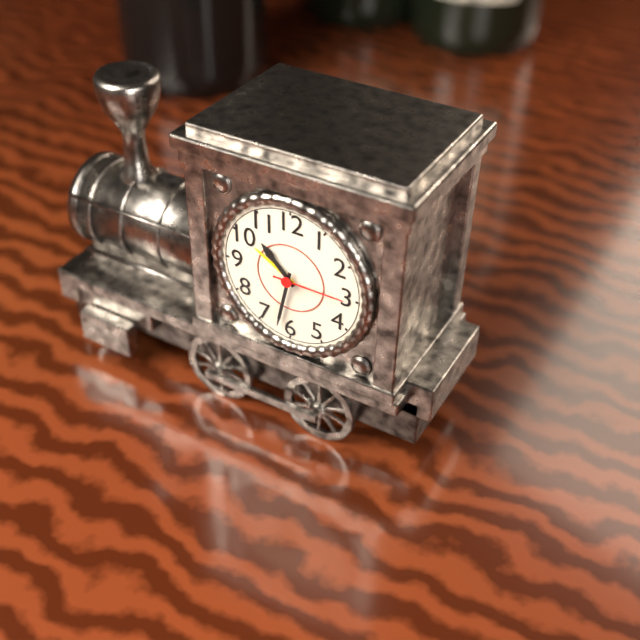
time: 10:32:15
